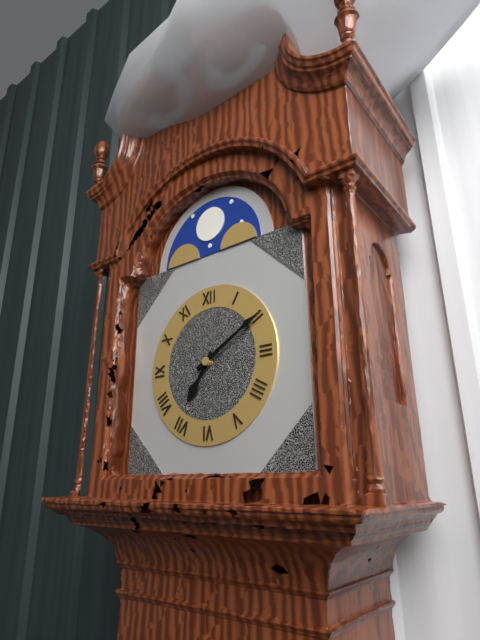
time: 7:10
